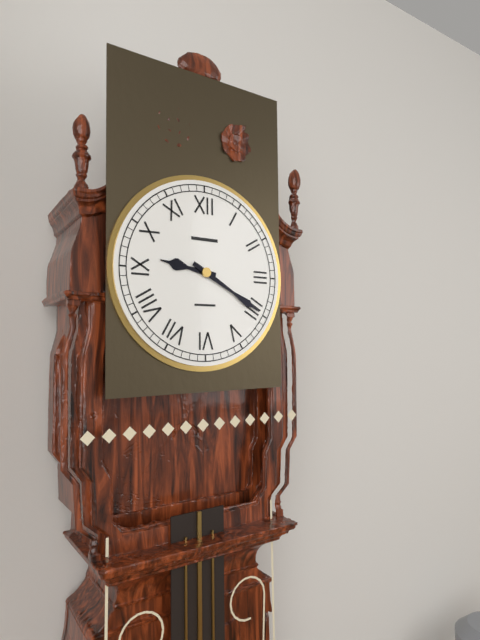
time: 9:20
